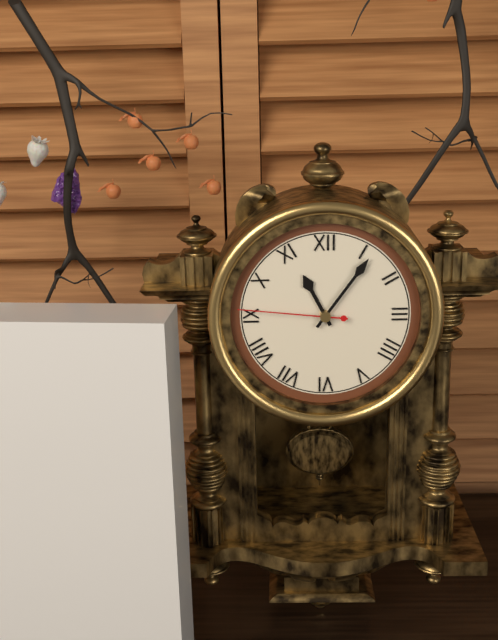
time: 11:06:46
